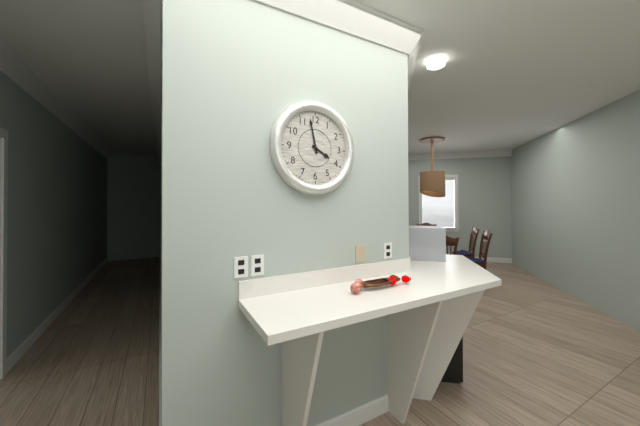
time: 3:58
